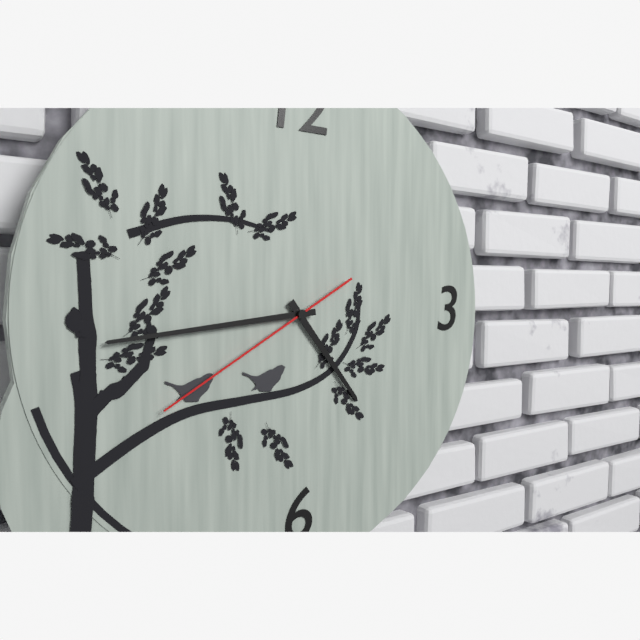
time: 4:44:40
